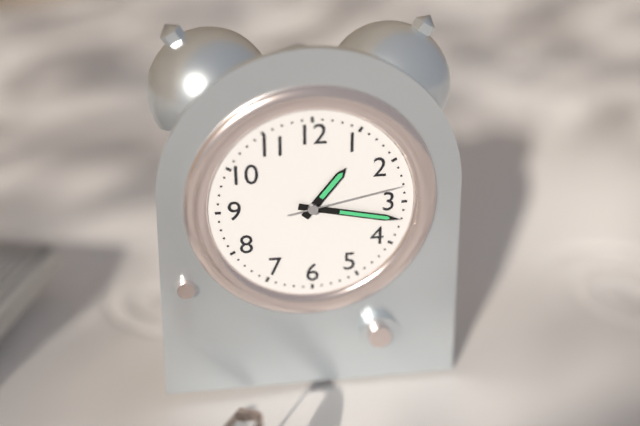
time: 1:17:13
